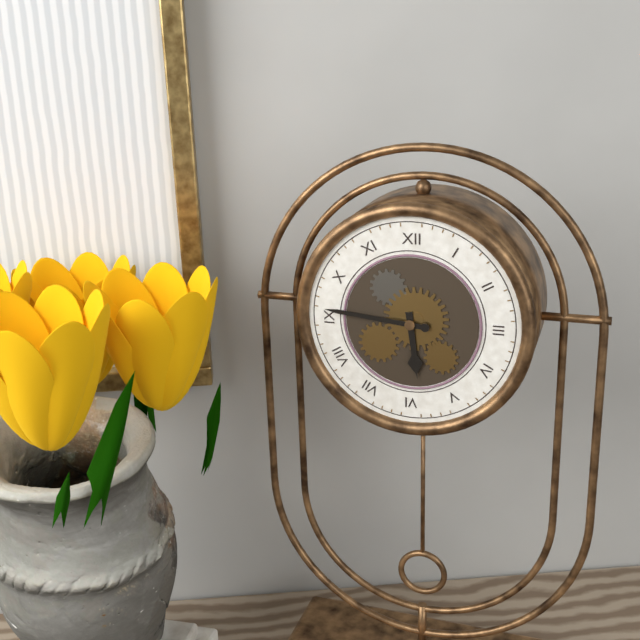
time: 5:46
